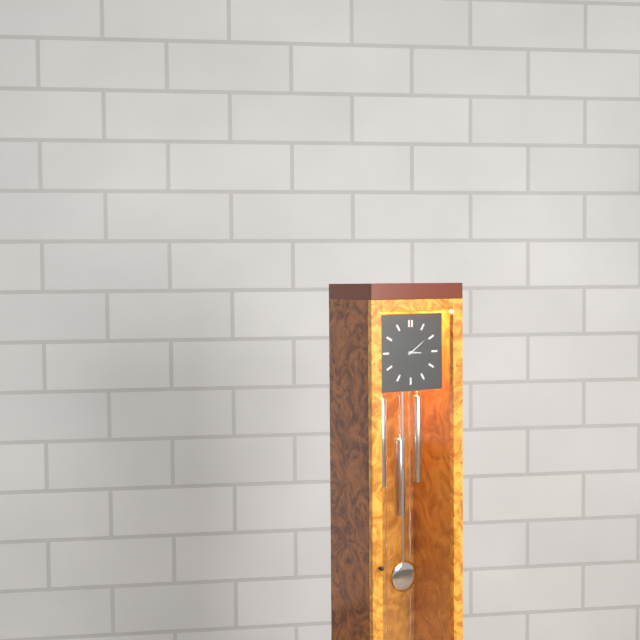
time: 3:09
